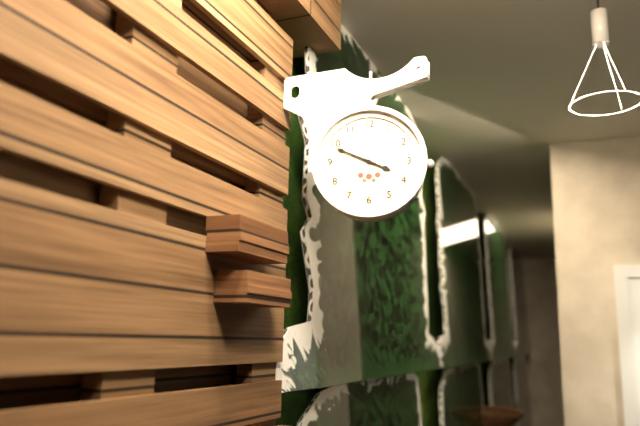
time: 3:49
